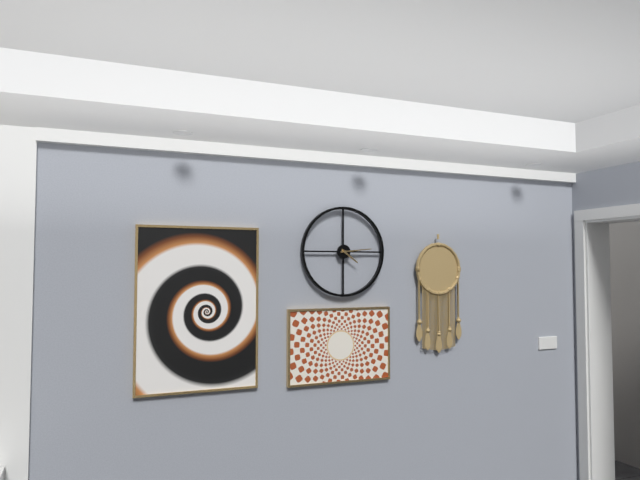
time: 4:14
